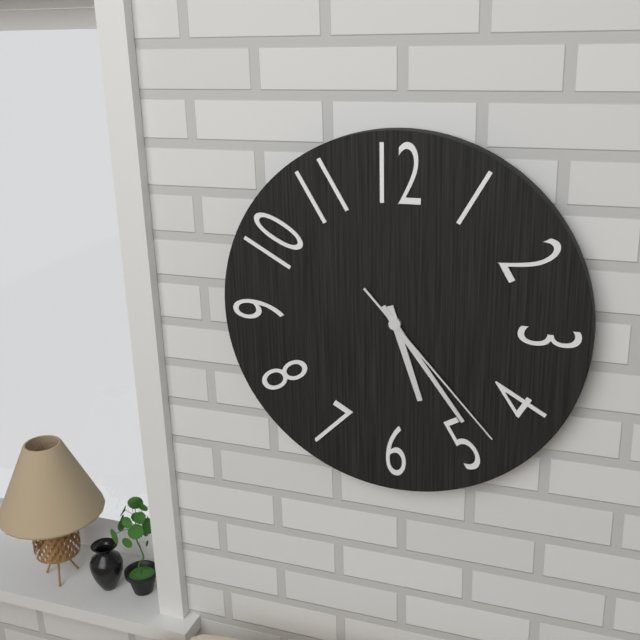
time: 5:24:23
